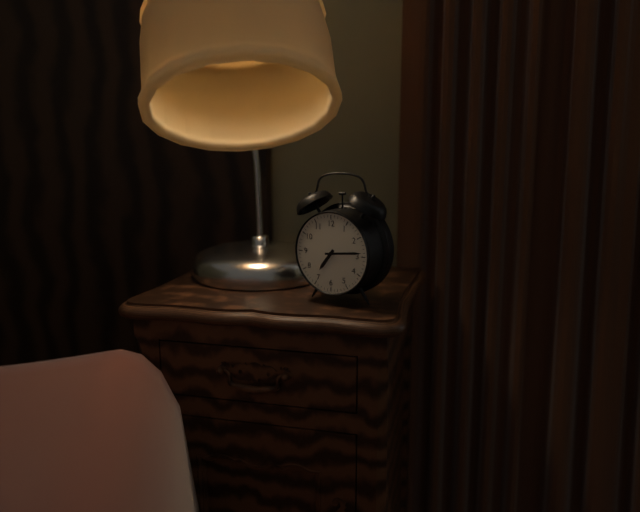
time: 7:14
